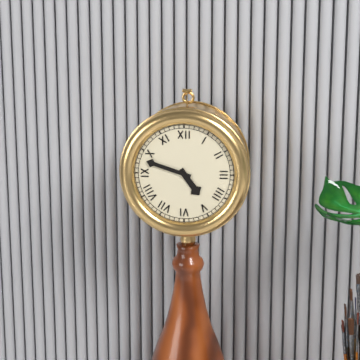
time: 4:48
